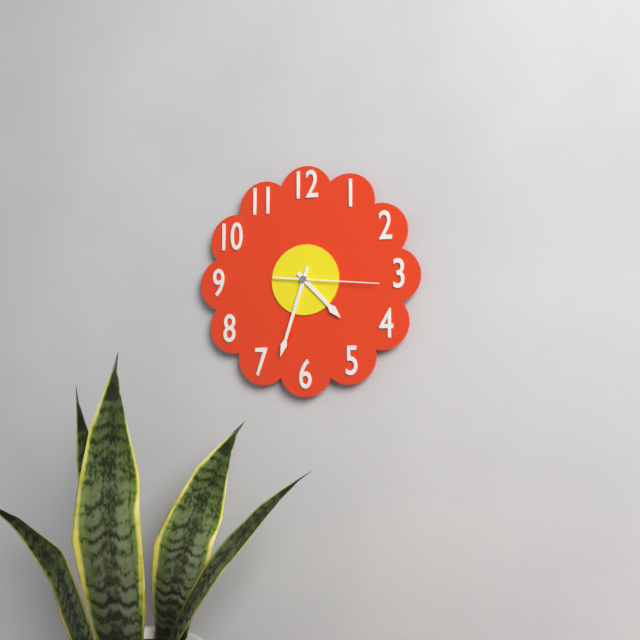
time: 4:33:16
